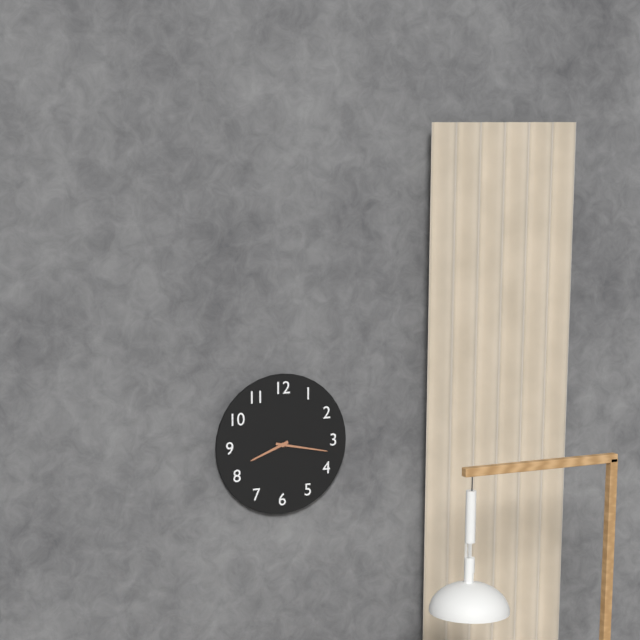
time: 8:17
